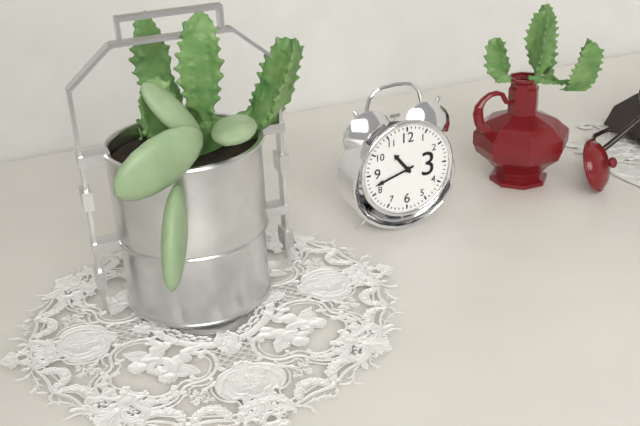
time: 10:42
